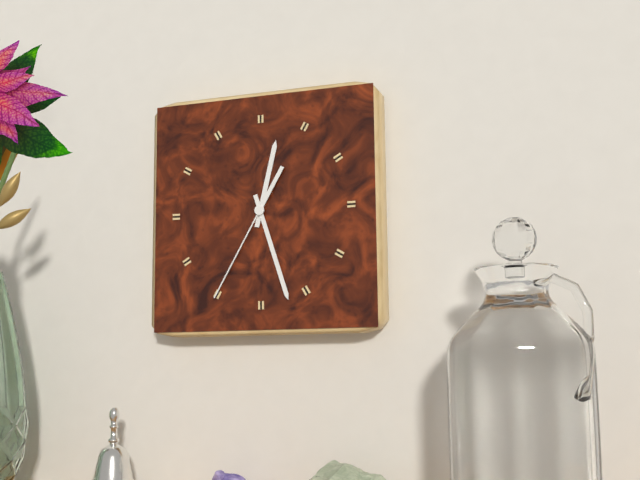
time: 12:27:35
